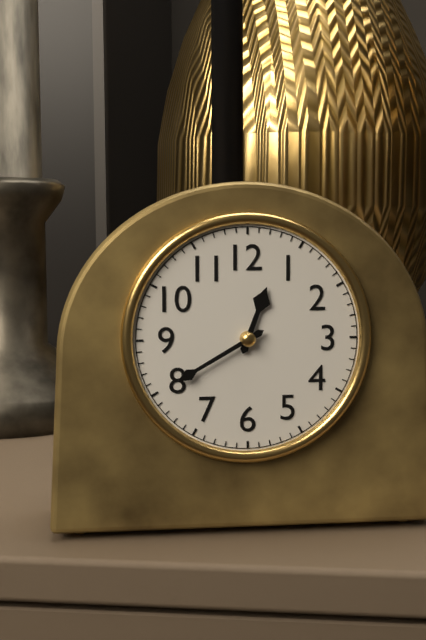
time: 12:40
